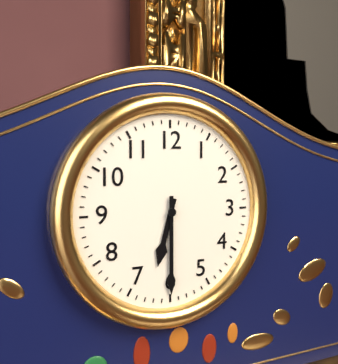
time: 6:30
